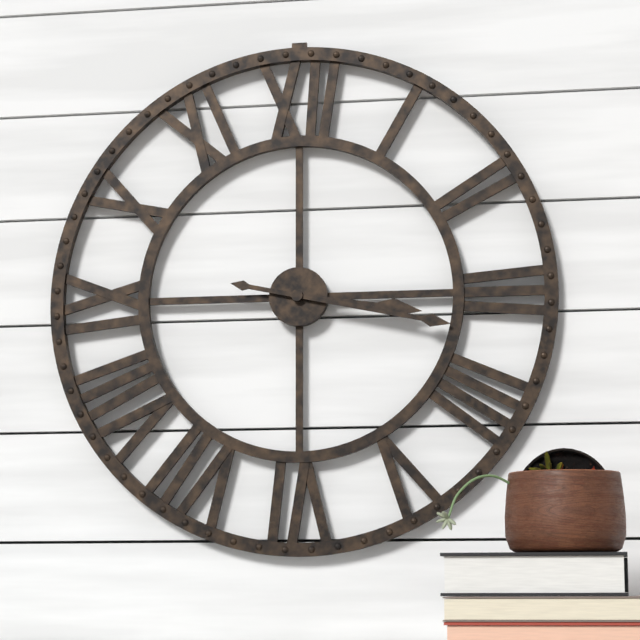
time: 3:17
